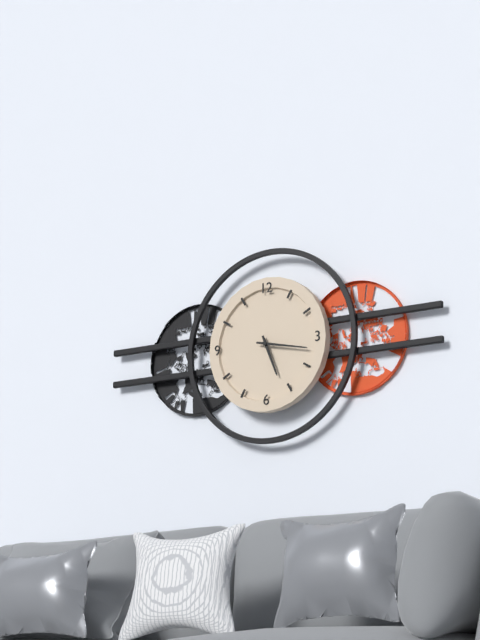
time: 5:17
